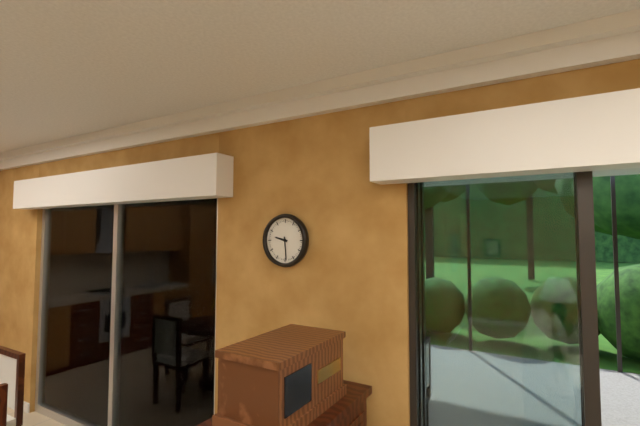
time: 9:29
